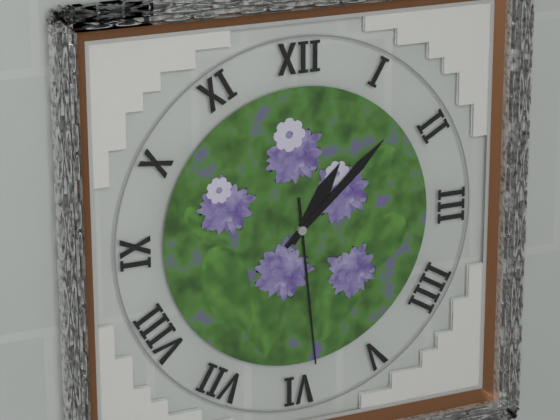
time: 1:08:29
